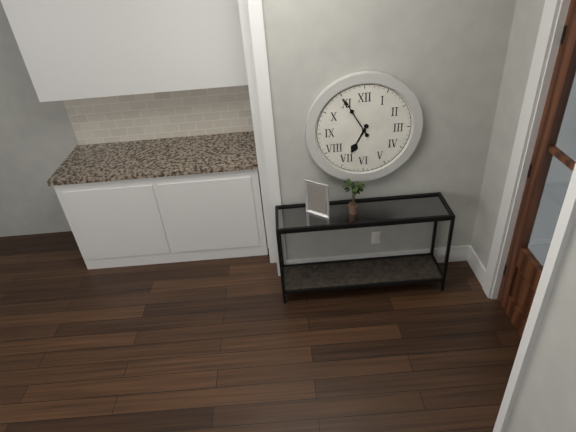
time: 6:55
